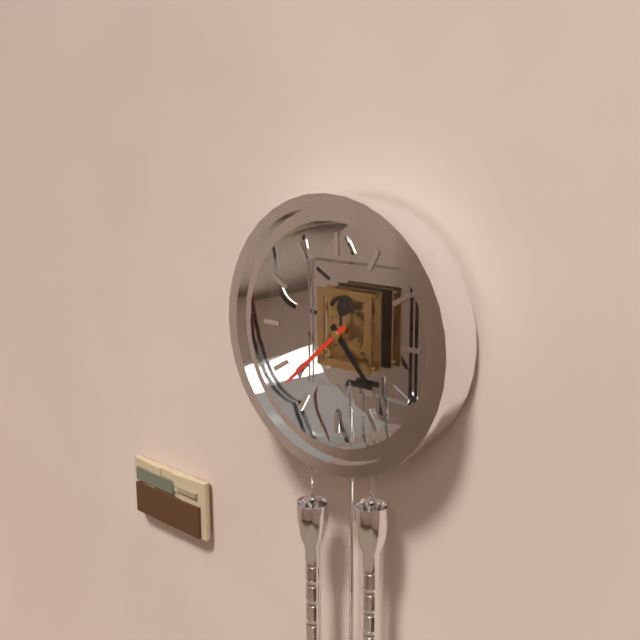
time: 4:38
